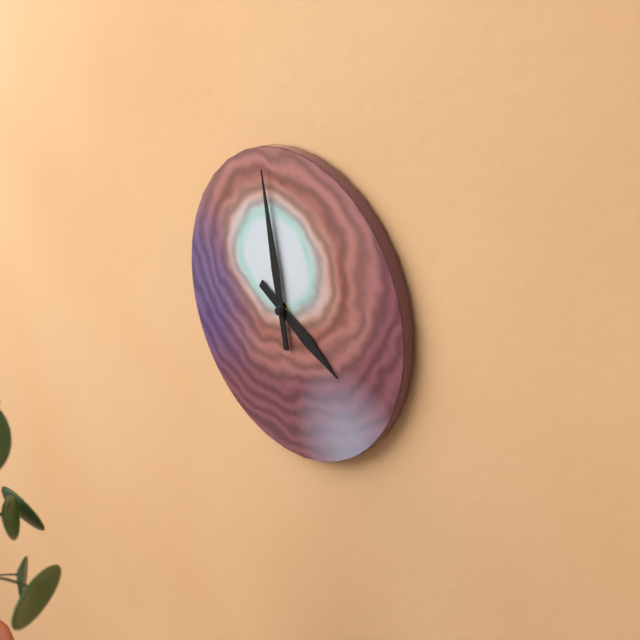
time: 3:58
